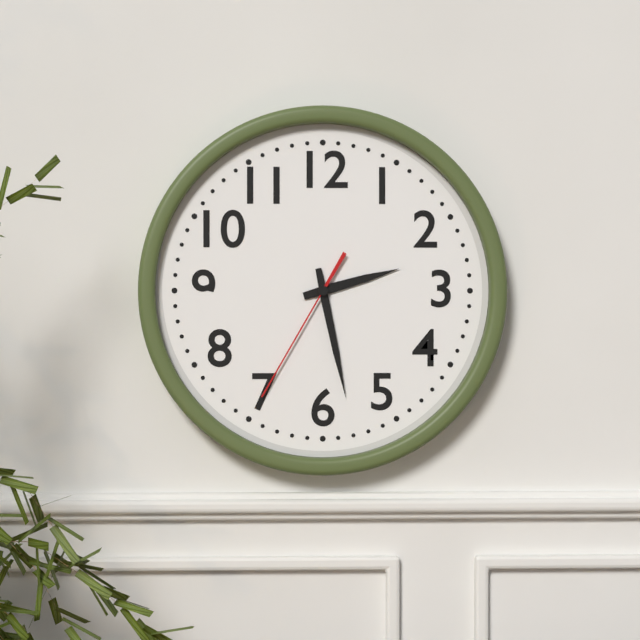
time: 2:28:35
